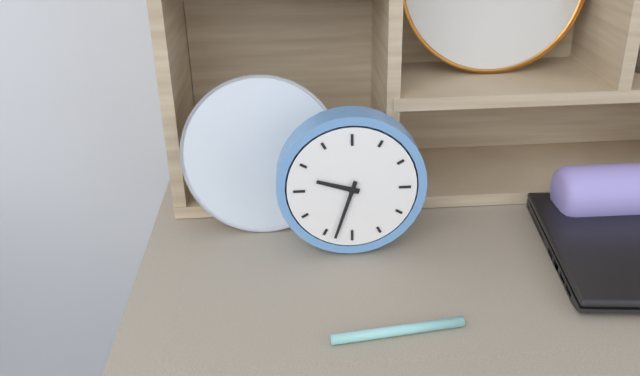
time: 9:33
